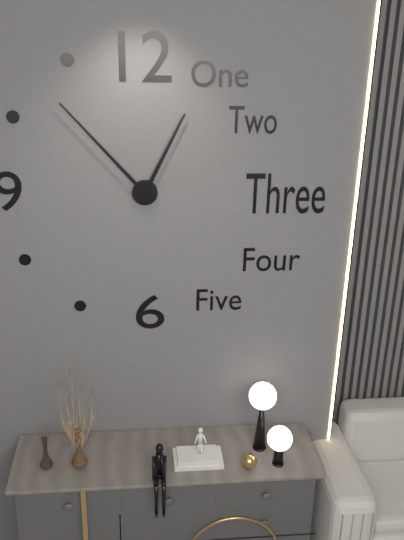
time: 12:53
